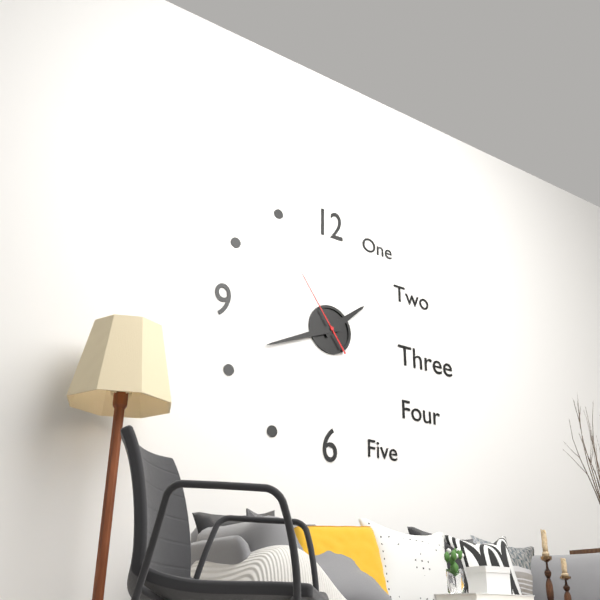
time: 1:41:54
